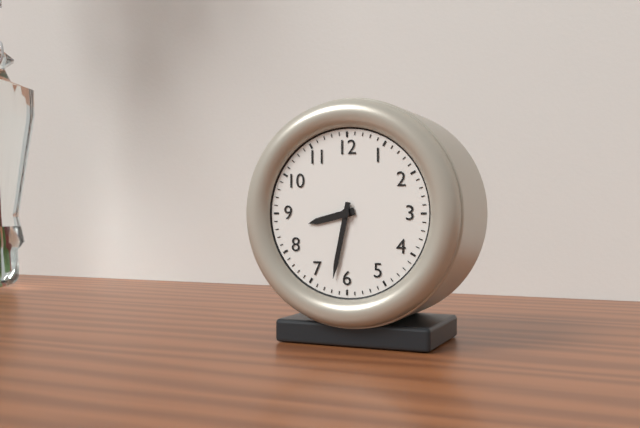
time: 8:32
